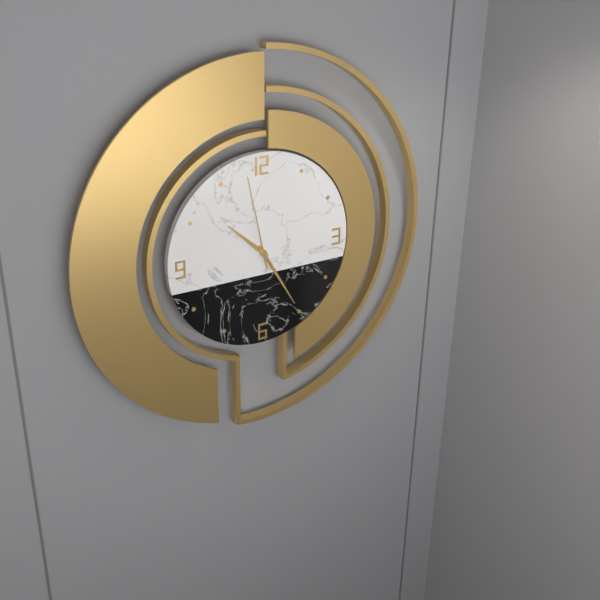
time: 10:25:58
